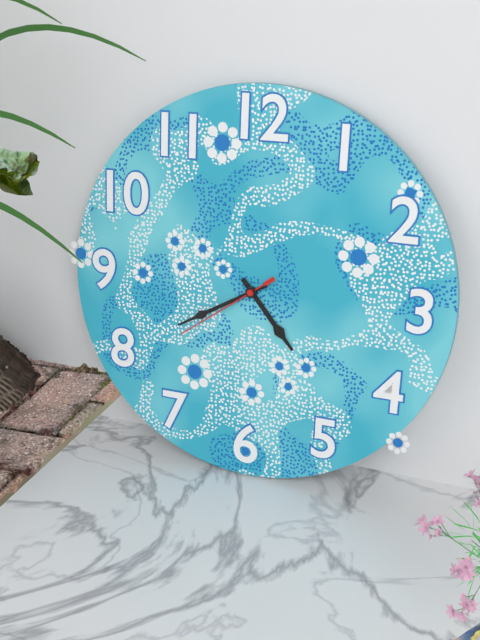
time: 4:40:39
